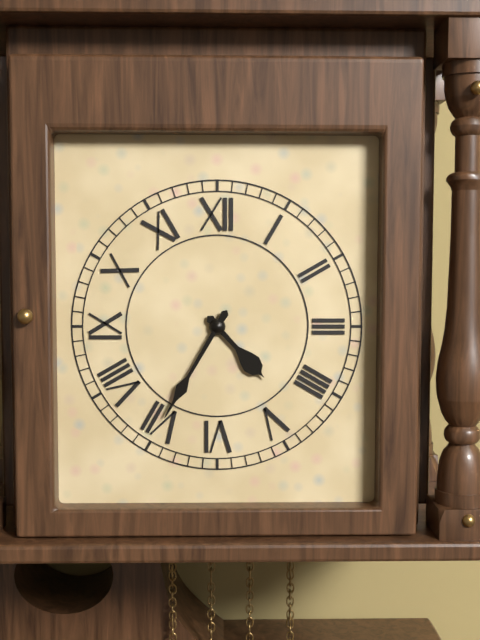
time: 4:35
